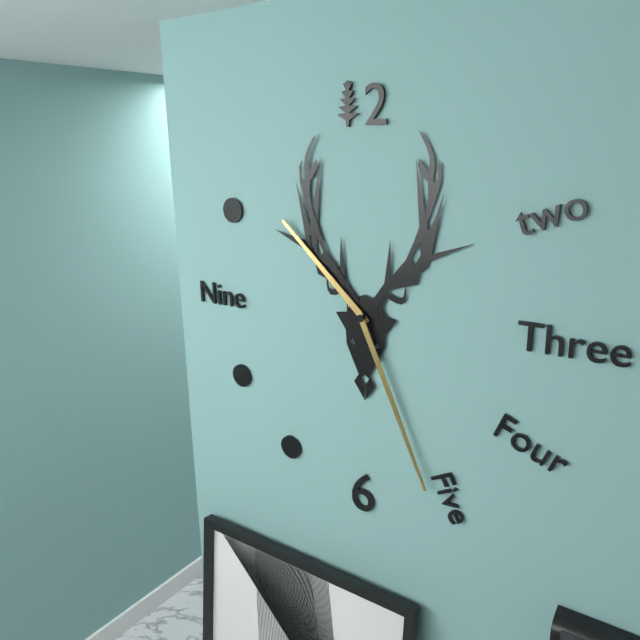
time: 10:26
